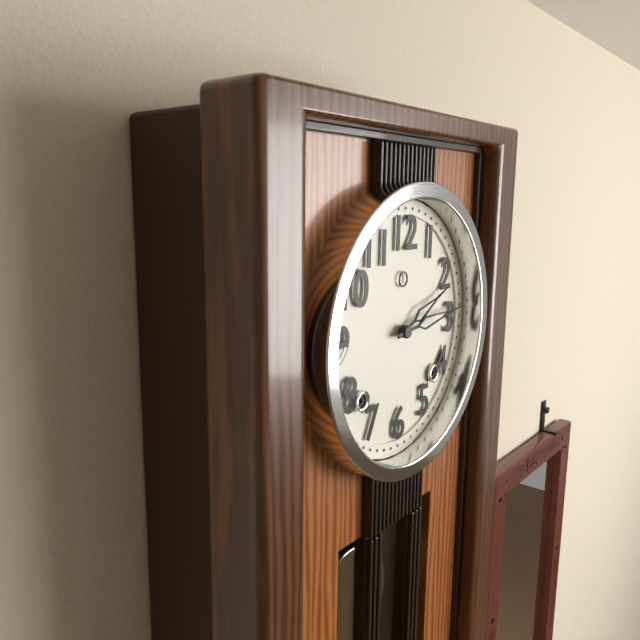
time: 2:14
